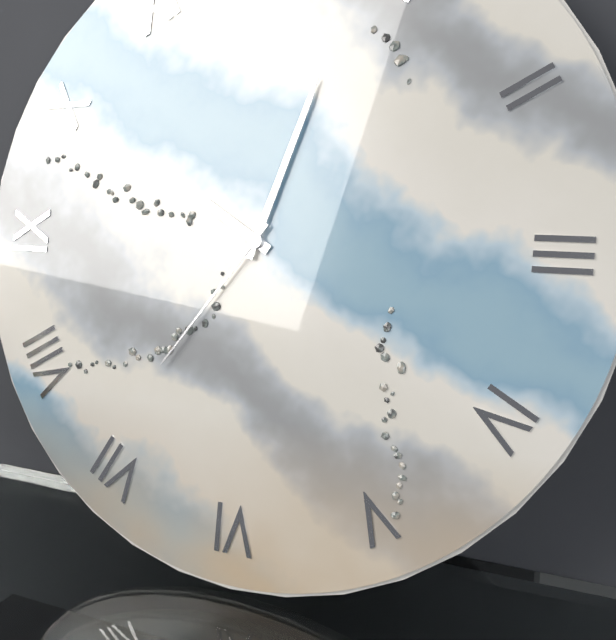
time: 10:03:36
